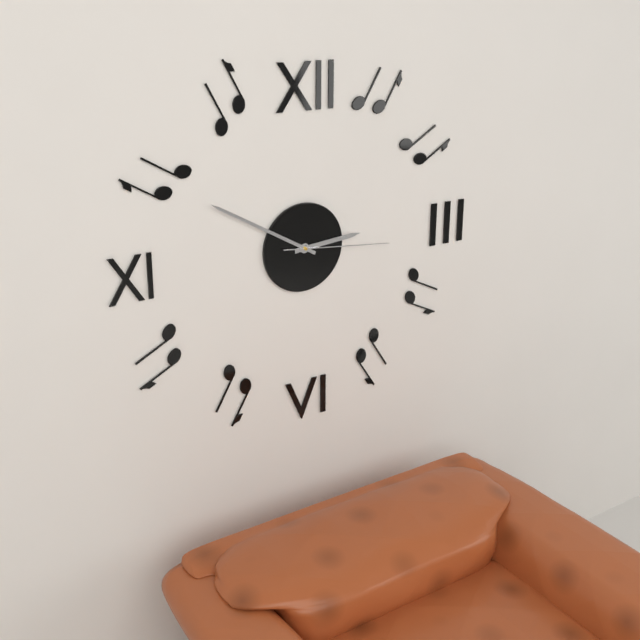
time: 2:50:16
